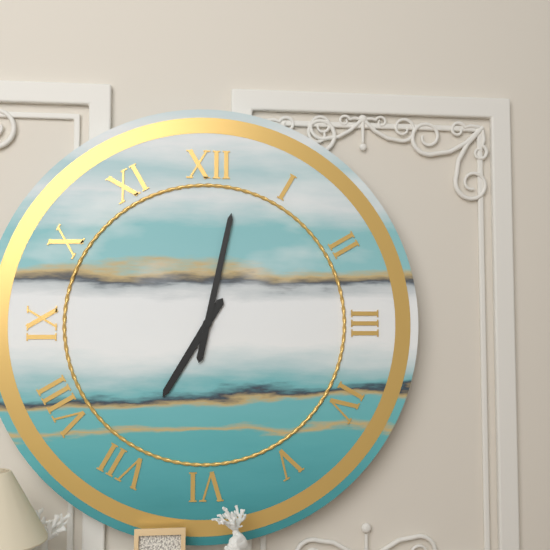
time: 7:02
